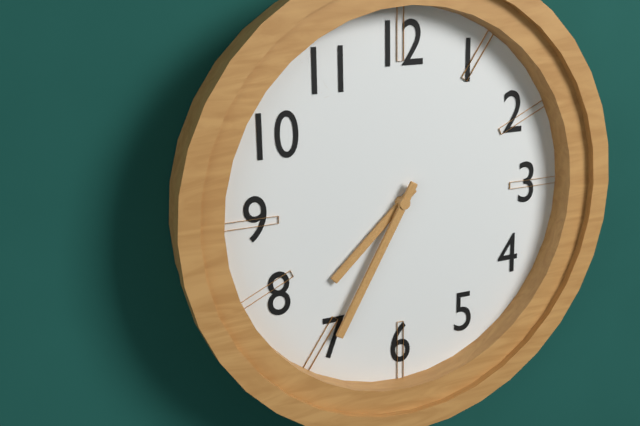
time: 7:35
